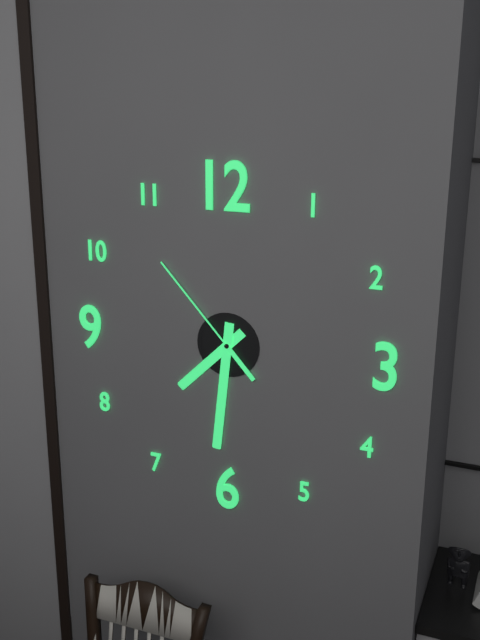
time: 7:31:53
